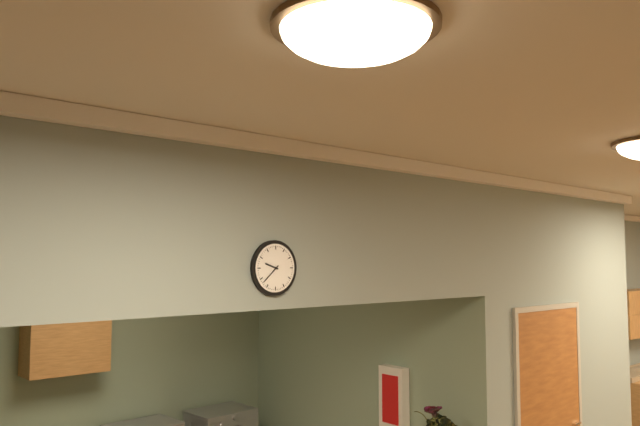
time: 9:38
